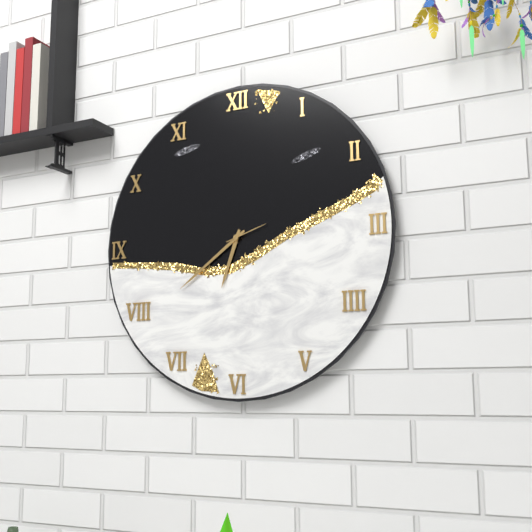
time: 6:39
